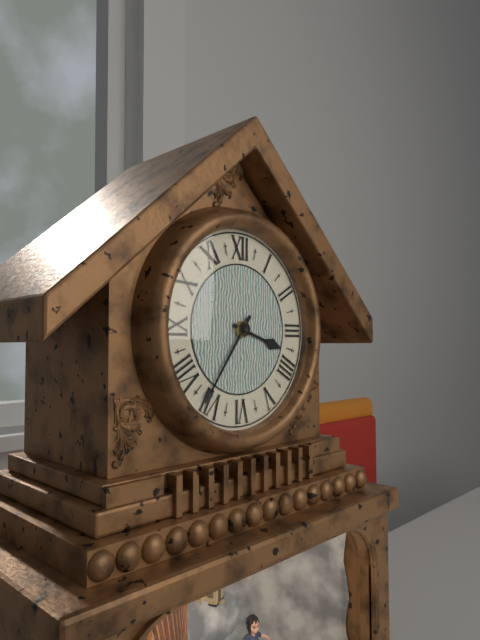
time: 3:36
